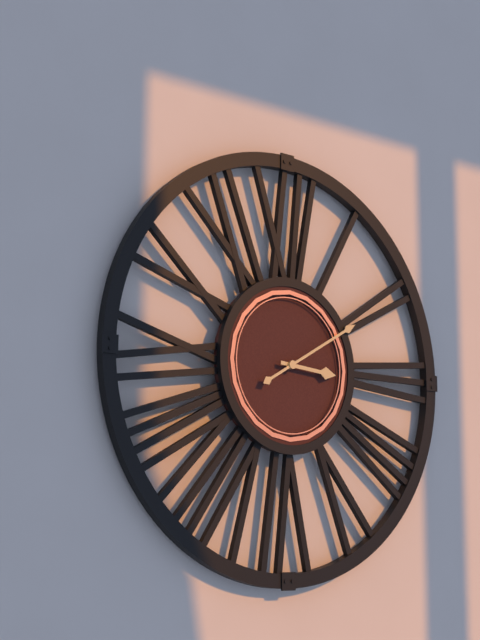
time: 3:10
